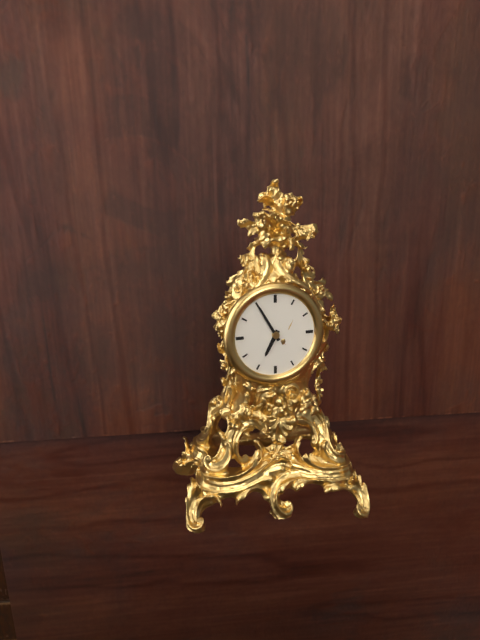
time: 6:55
